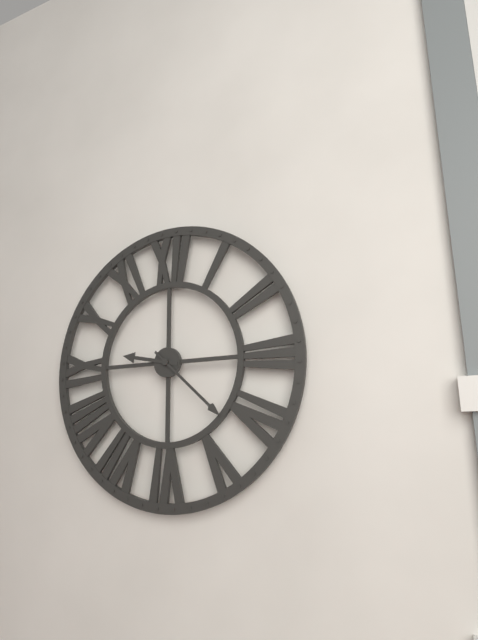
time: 9:22
